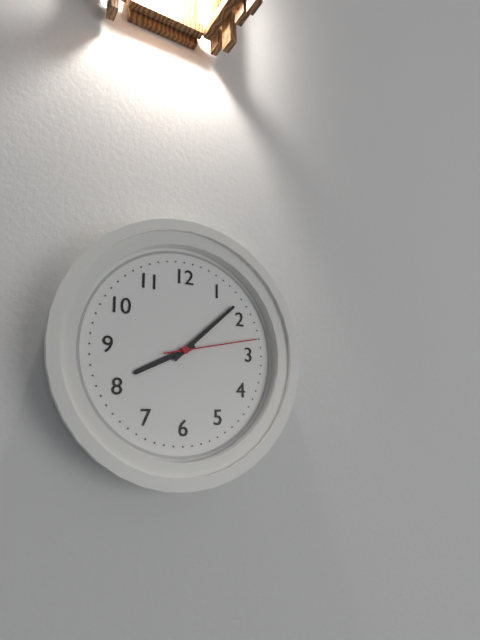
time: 8:08:13
